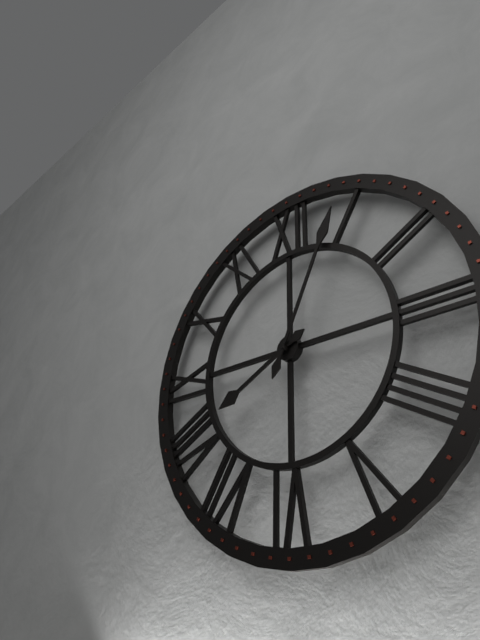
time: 8:04
